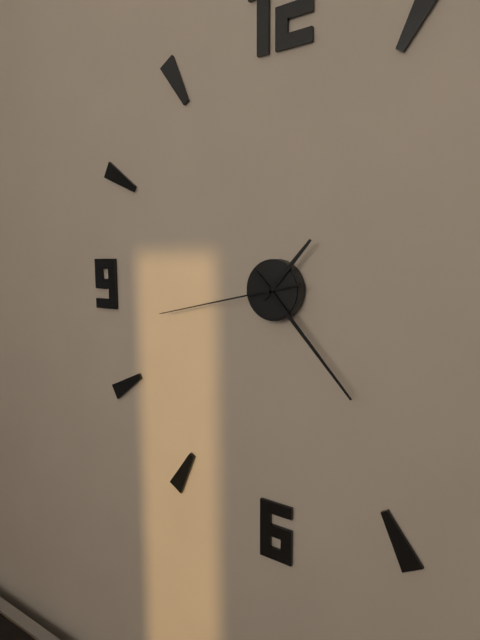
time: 1:23:43
